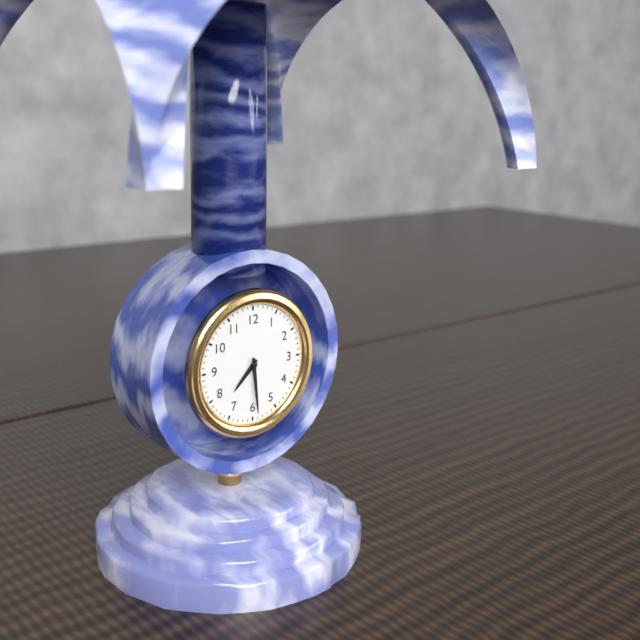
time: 7:29
